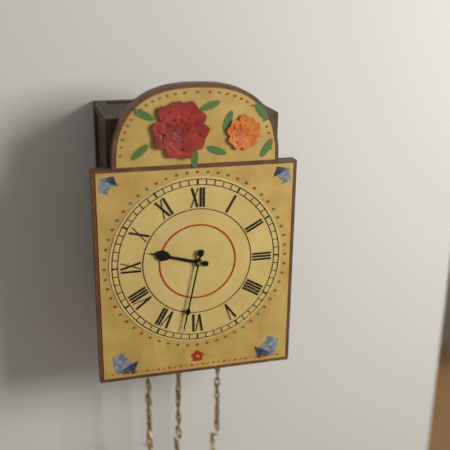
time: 9:32
